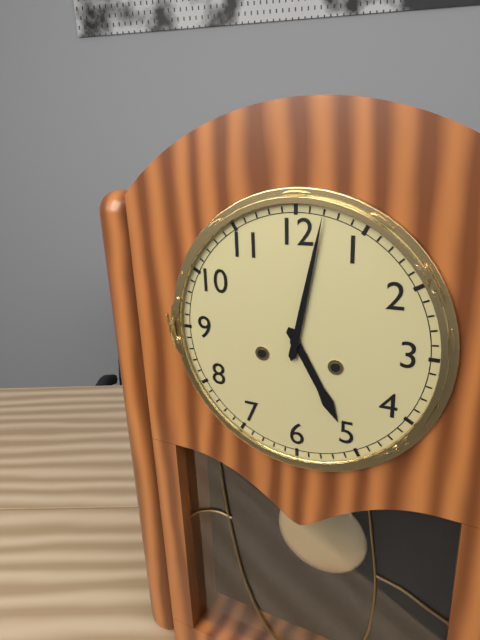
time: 5:02
